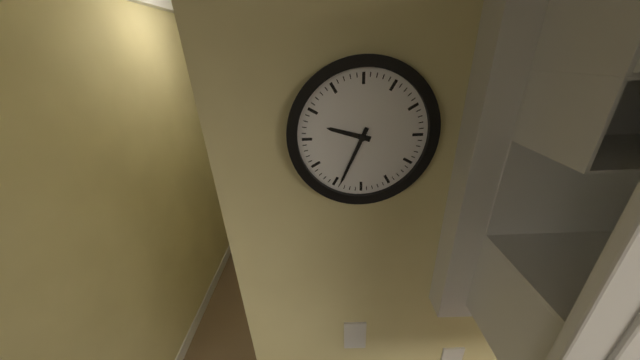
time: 9:34
